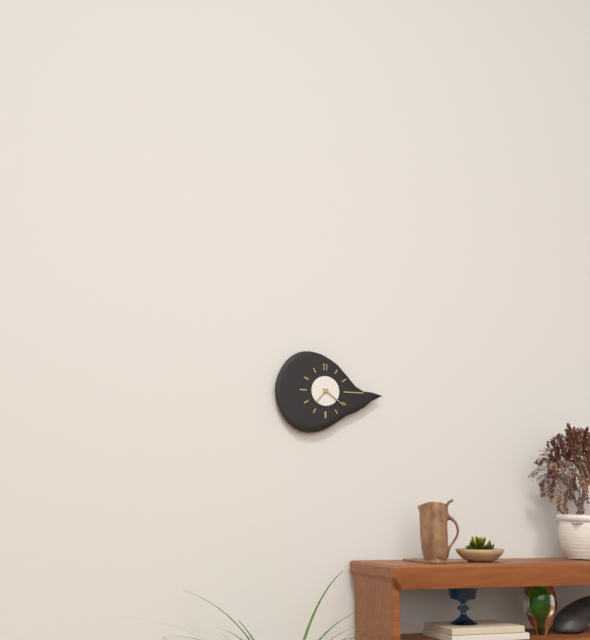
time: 7:21
